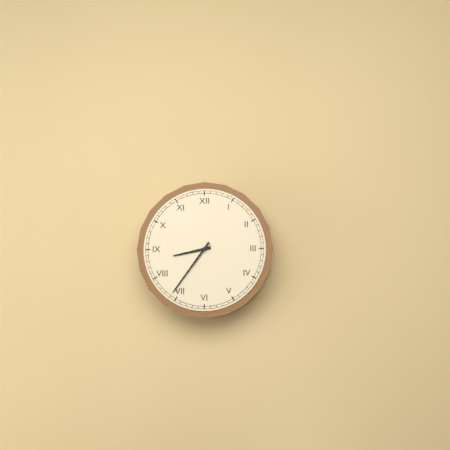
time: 8:36
